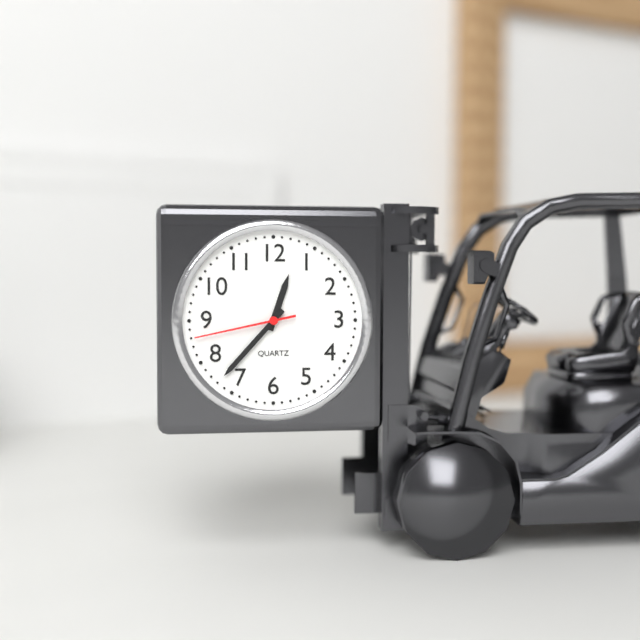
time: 12:37:43
